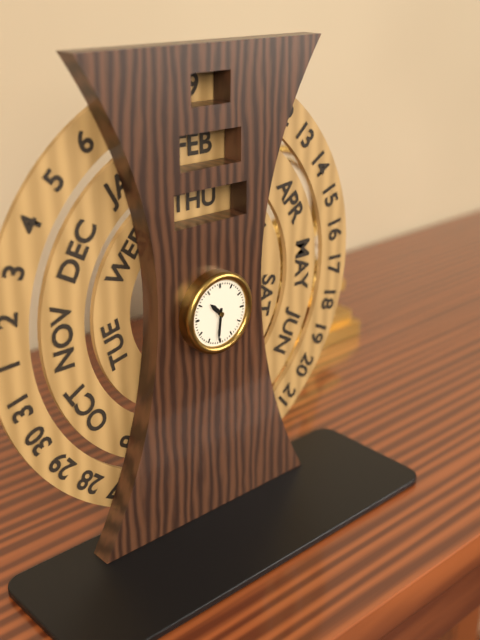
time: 10:31
